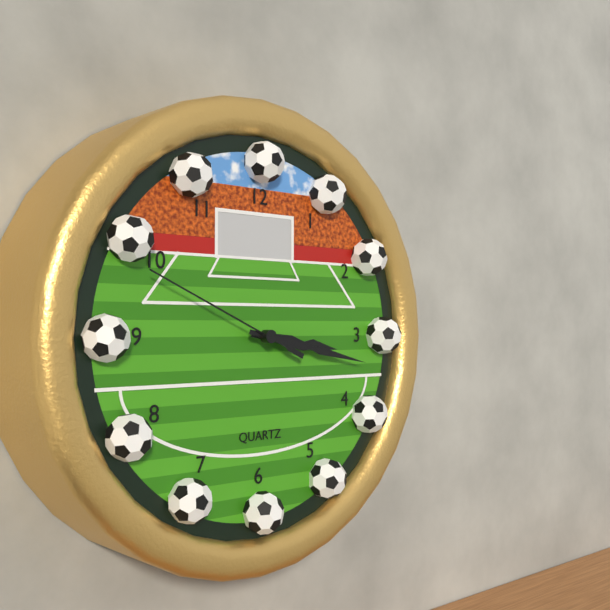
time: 3:17:49
